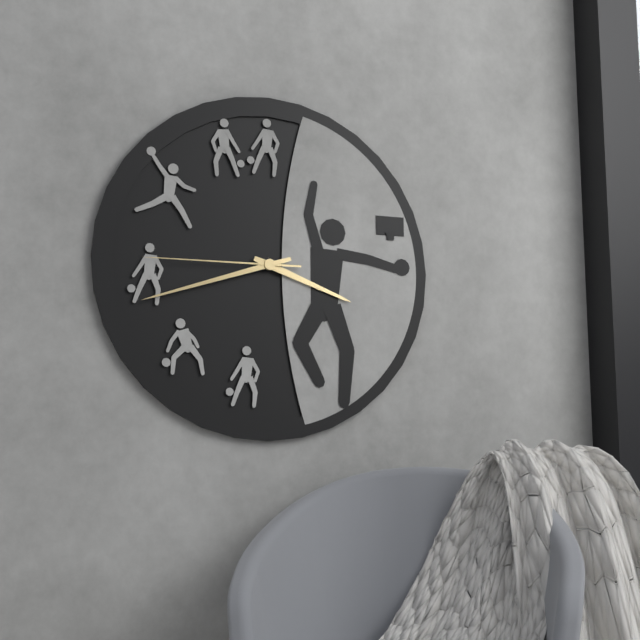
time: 3:42:45
